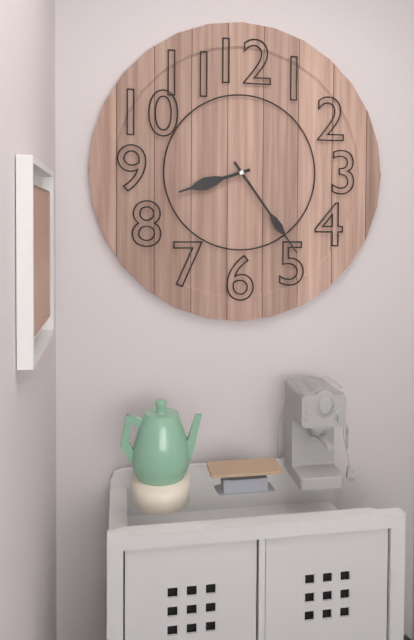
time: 8:24
